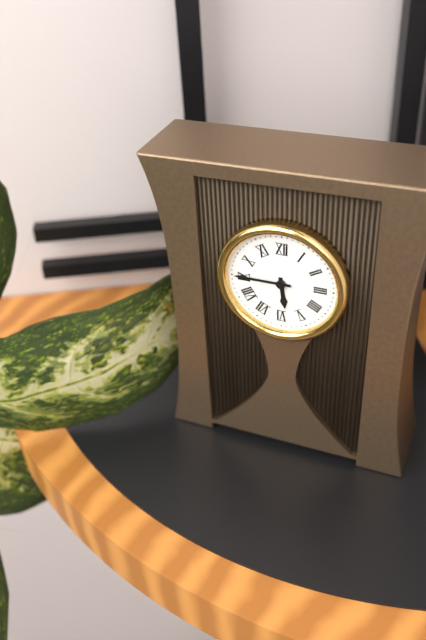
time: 5:45
